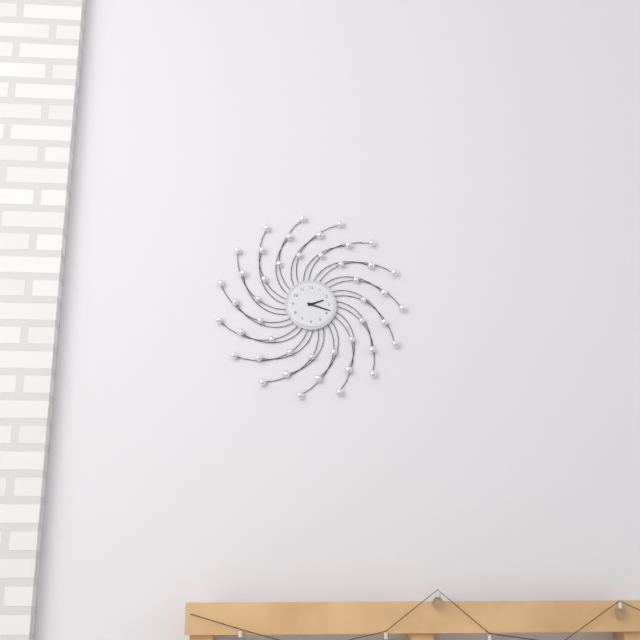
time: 2:18
